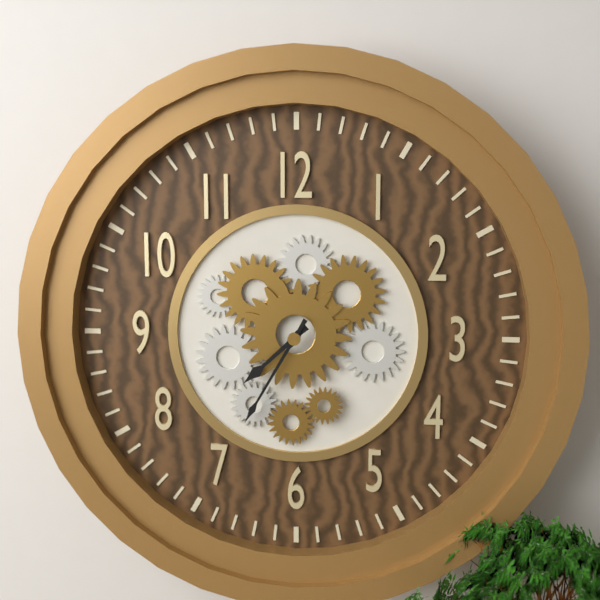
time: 7:35
